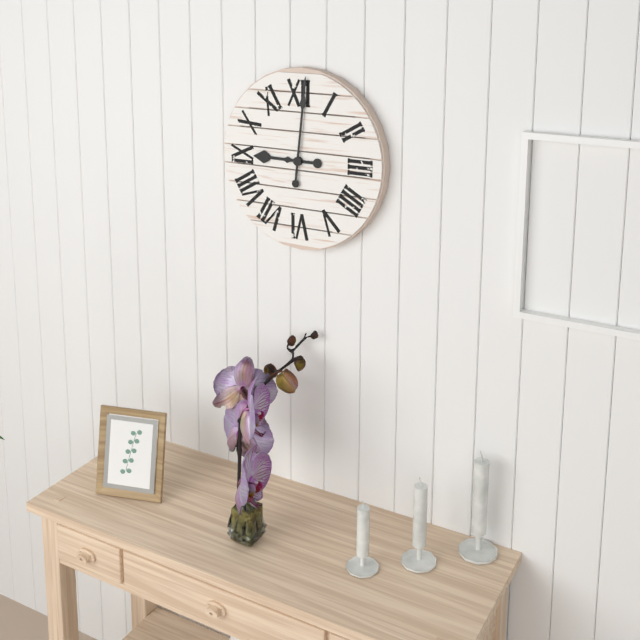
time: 9:01
